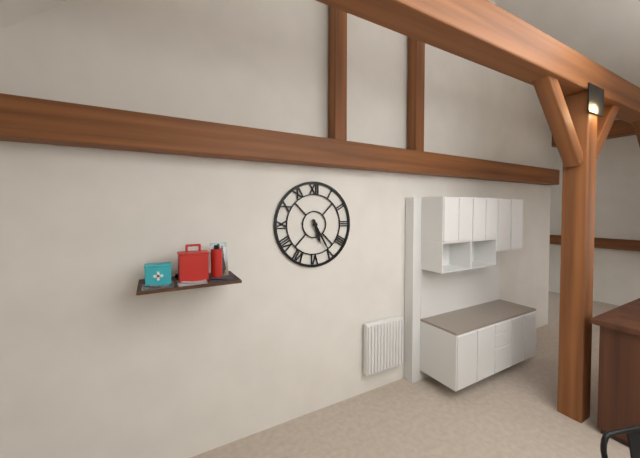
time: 5:25
